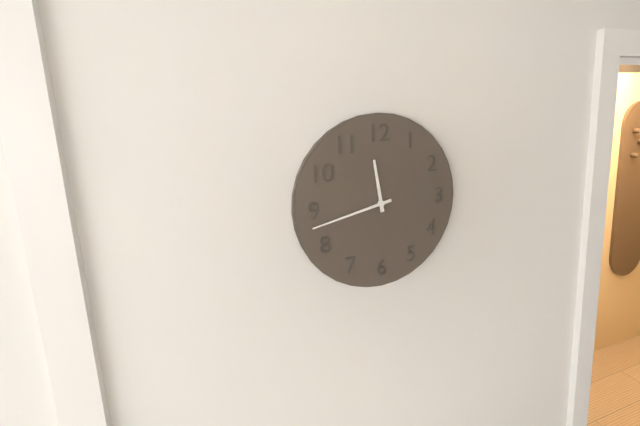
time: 11:43
